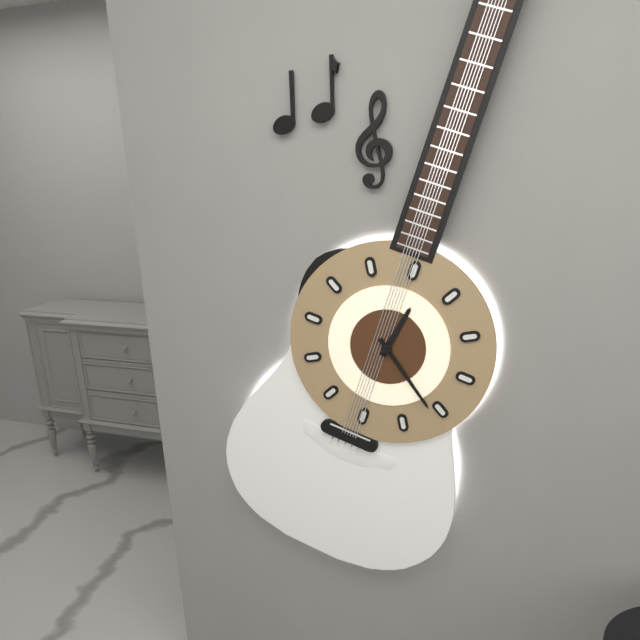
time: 12:21
